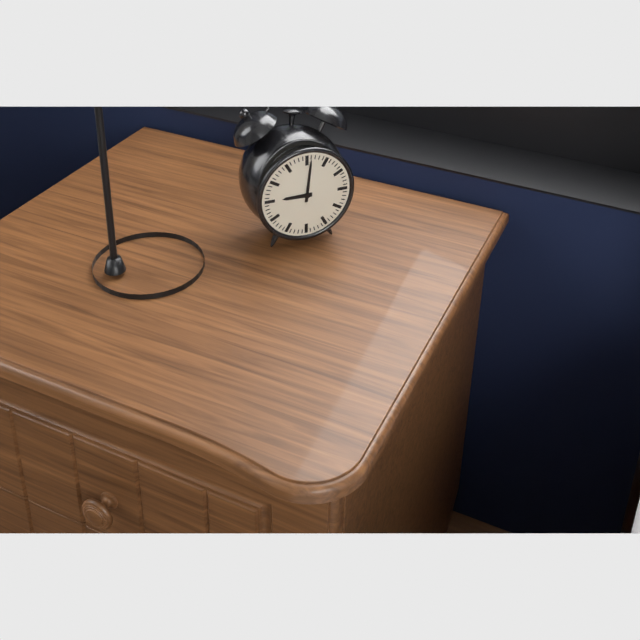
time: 9:01
